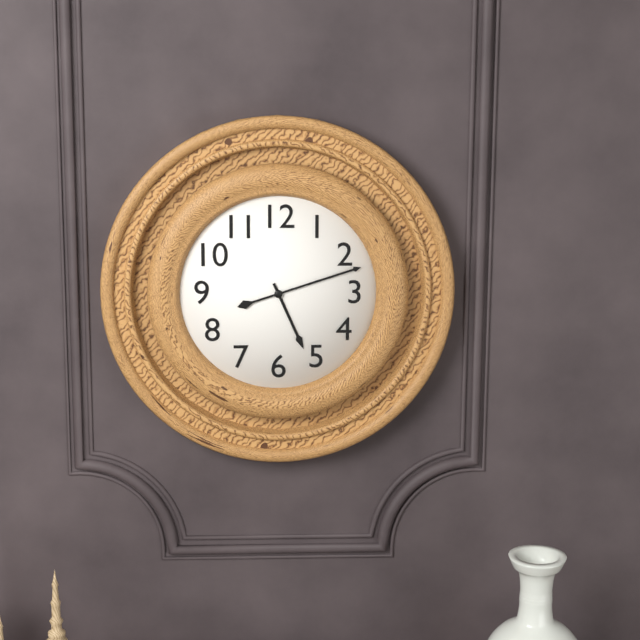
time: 5:12
